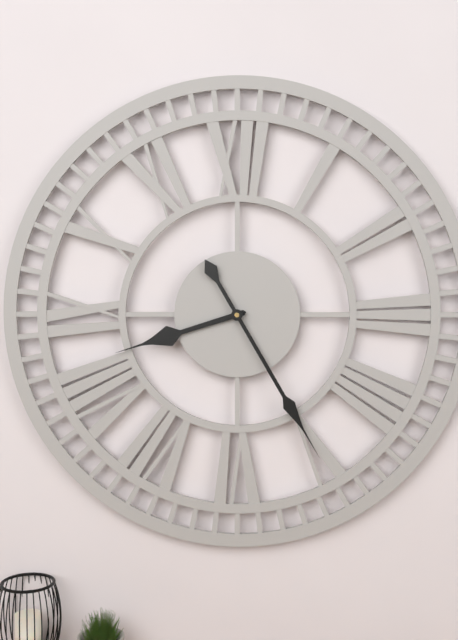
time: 8:25
